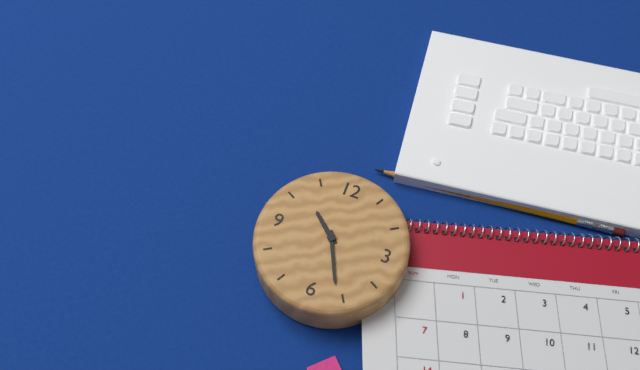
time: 10:26
